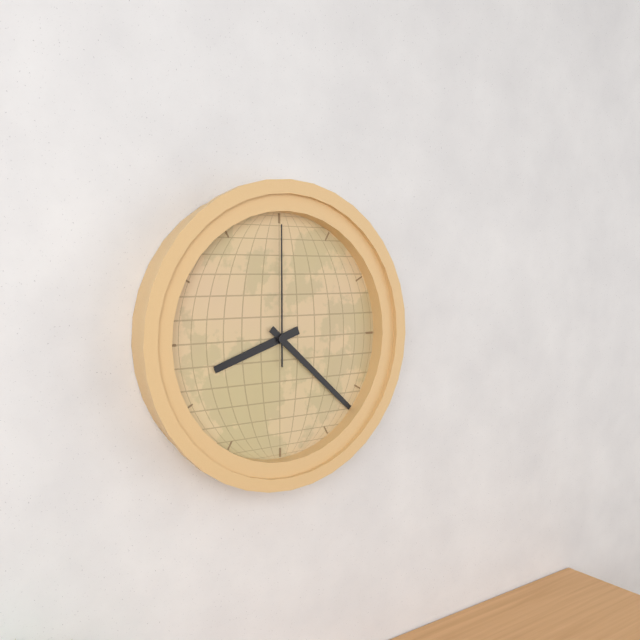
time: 8:22:00
